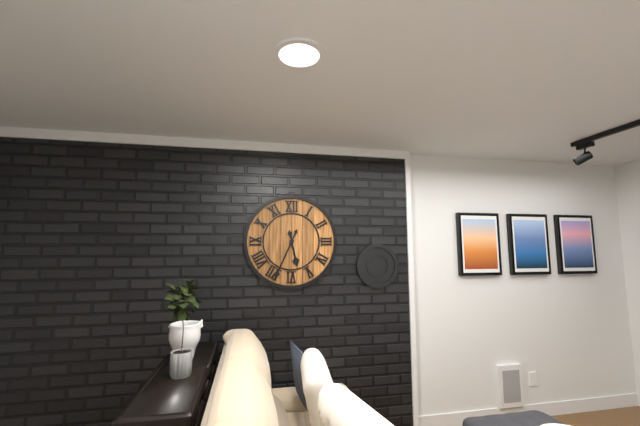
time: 5:34
